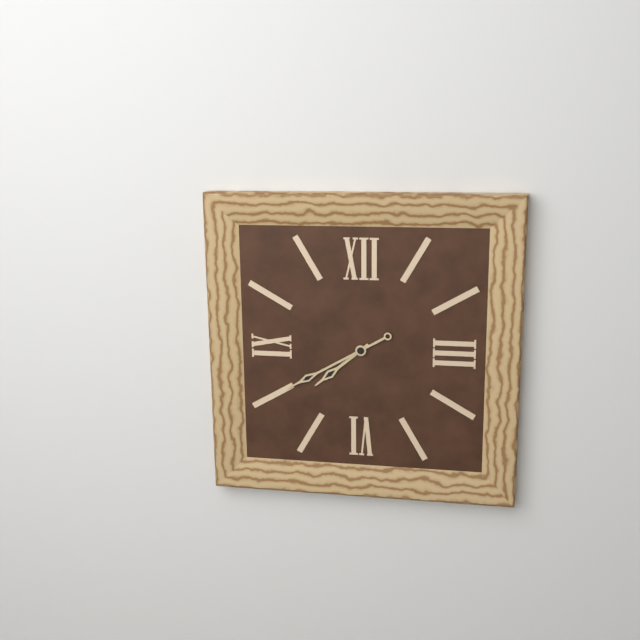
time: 7:40
